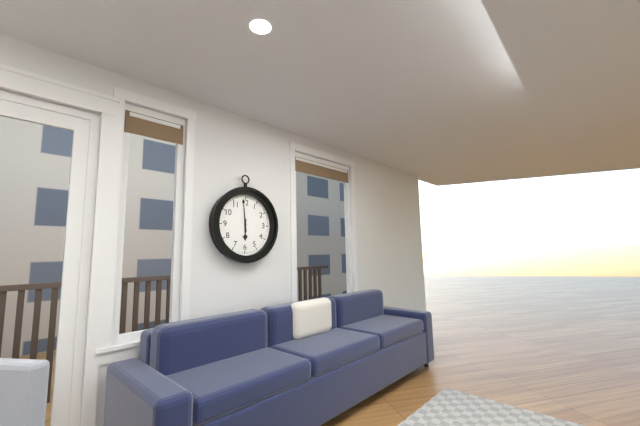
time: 5:59
